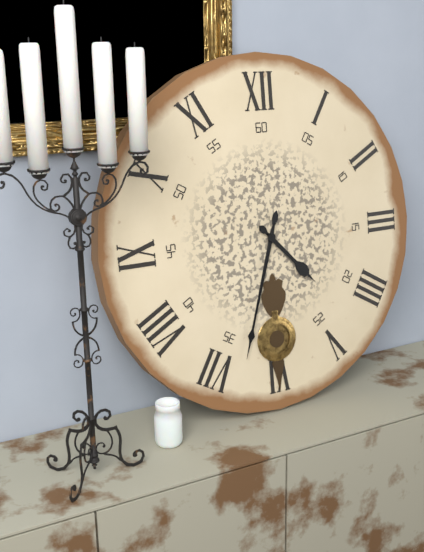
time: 4:33
